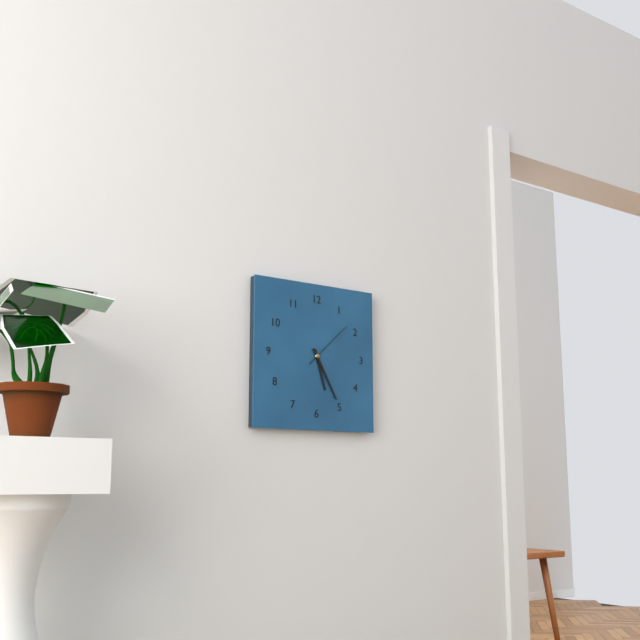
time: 5:25:08
